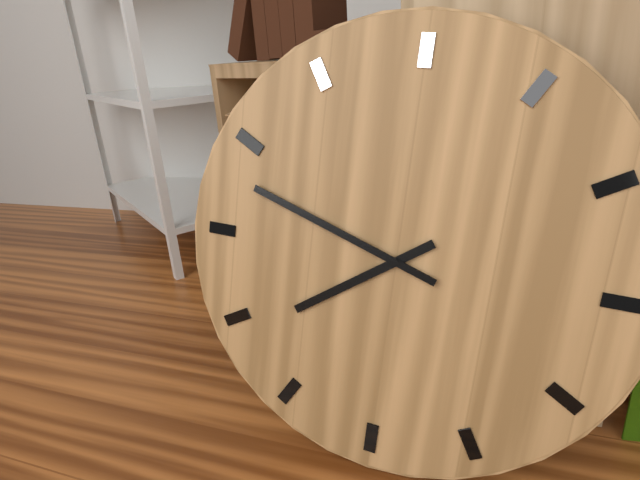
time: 7:48
